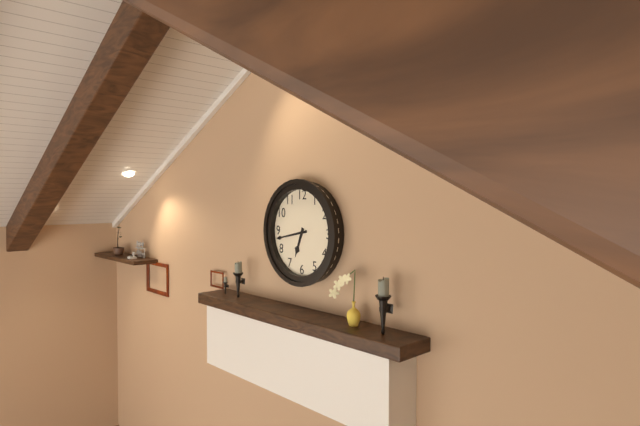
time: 6:43
